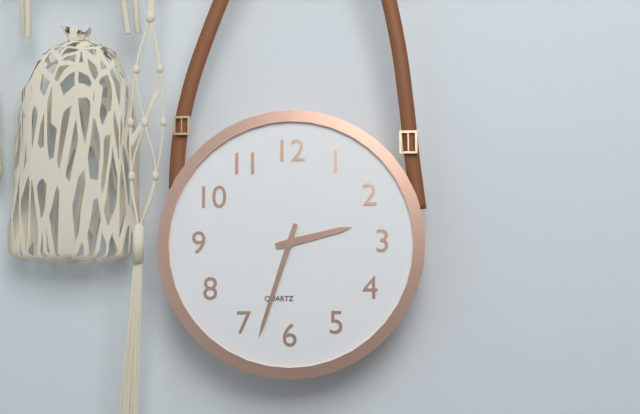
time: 2:33
